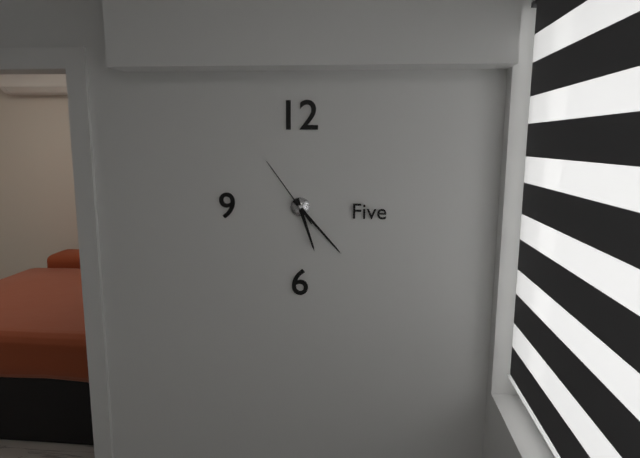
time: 5:23:54
